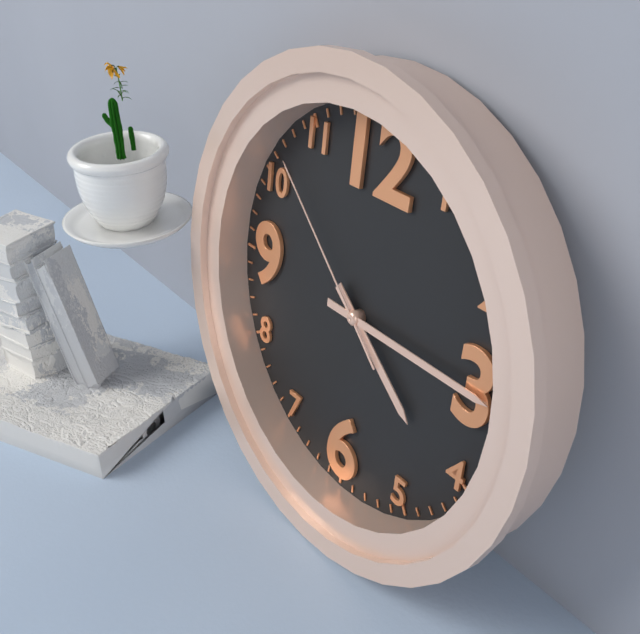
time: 4:15:52
